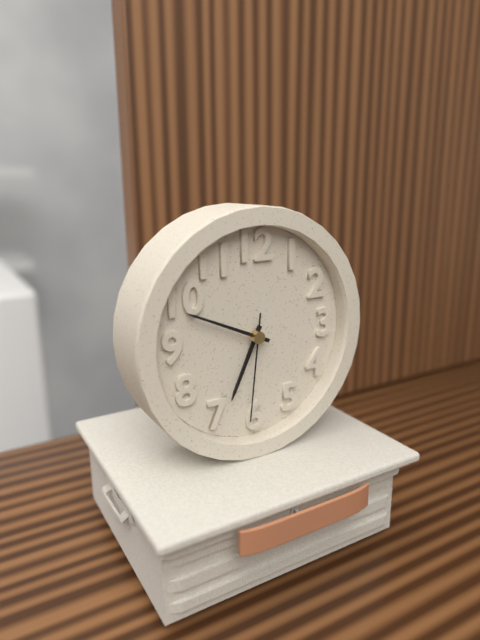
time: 6:49:31
